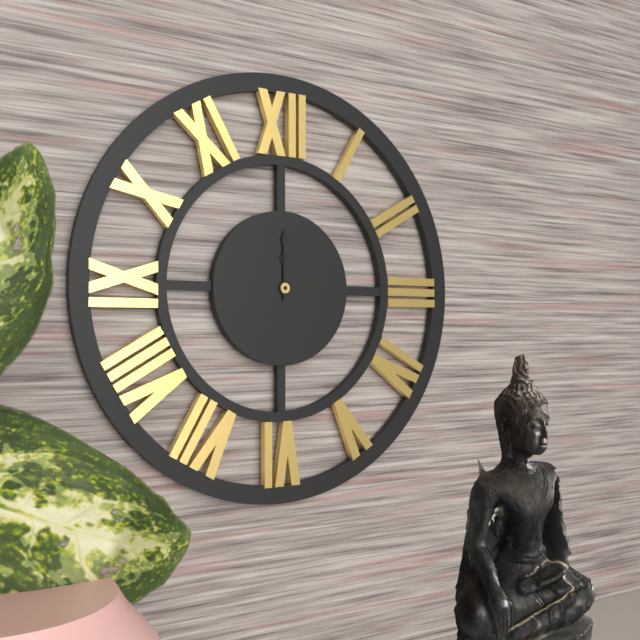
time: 12:00
